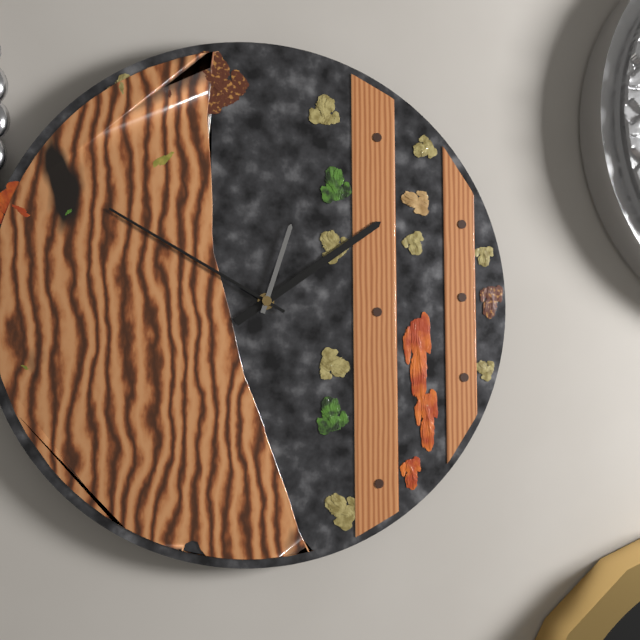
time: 1:50:03
